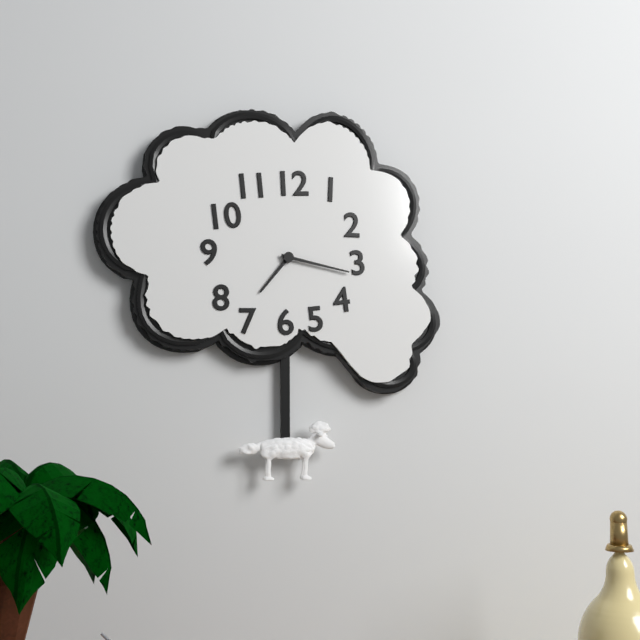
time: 7:17
